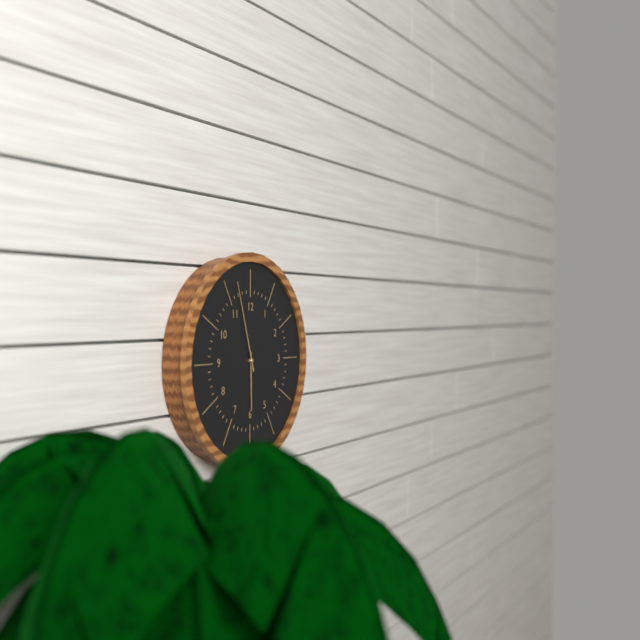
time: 5:57
